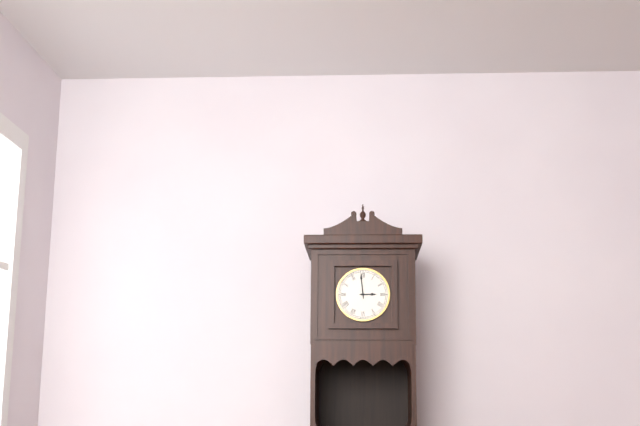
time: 2:59
